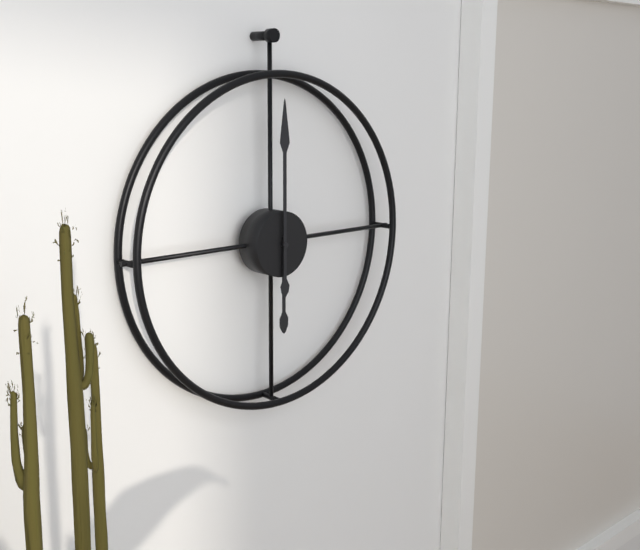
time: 6:00
